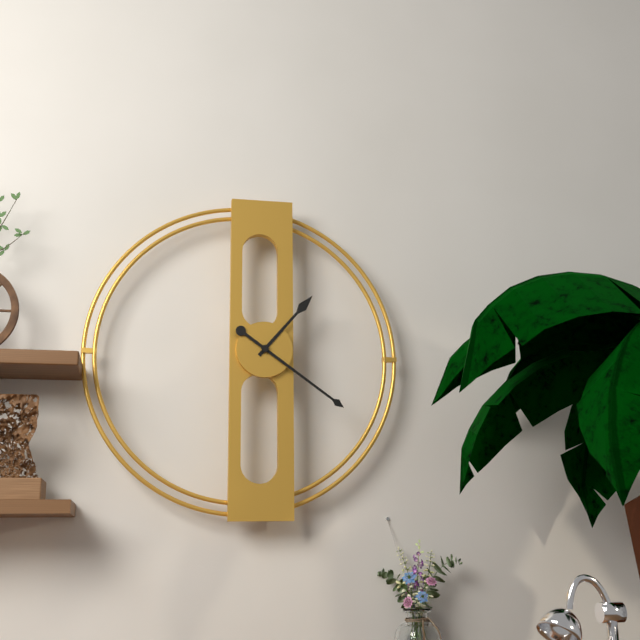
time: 1:21
